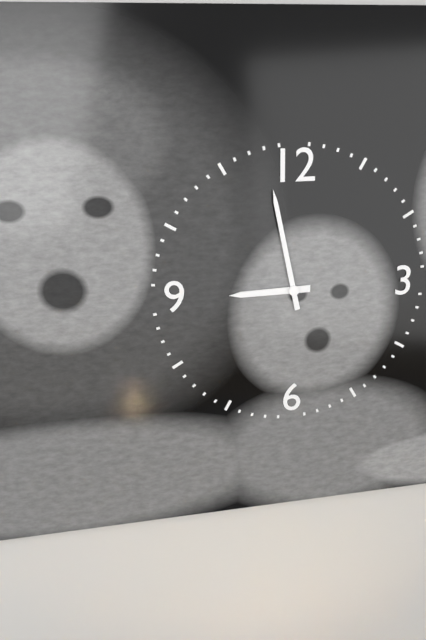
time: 8:58
